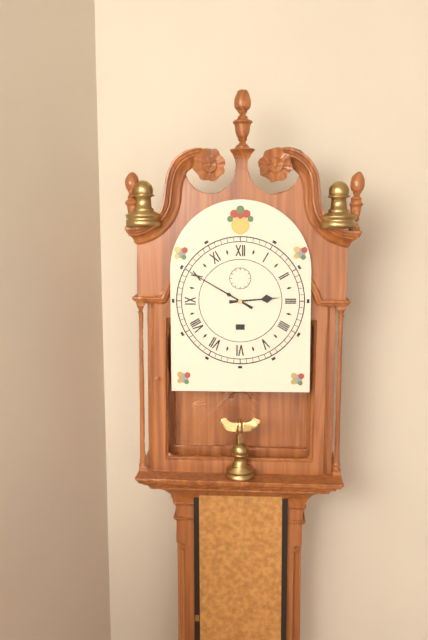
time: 2:50
